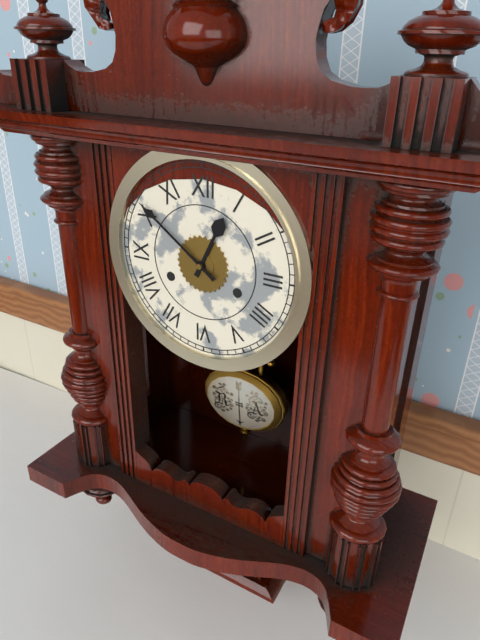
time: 12:51
